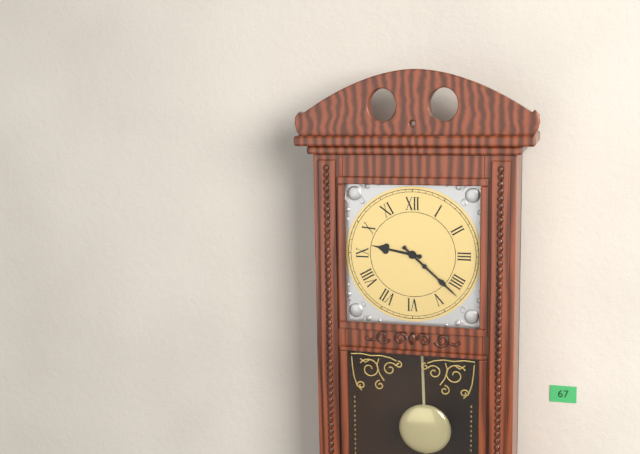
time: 9:22
